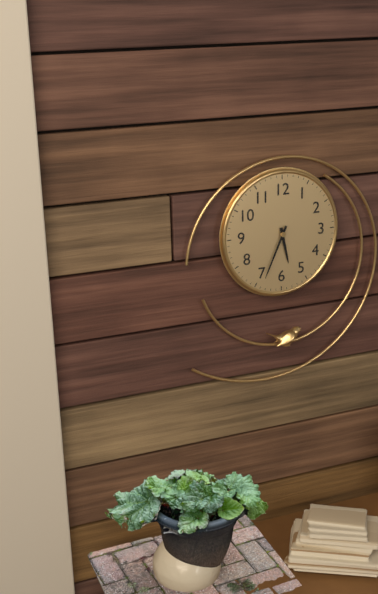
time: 5:34
